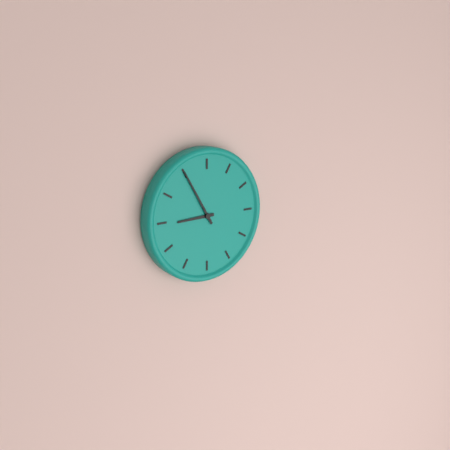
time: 8:55
